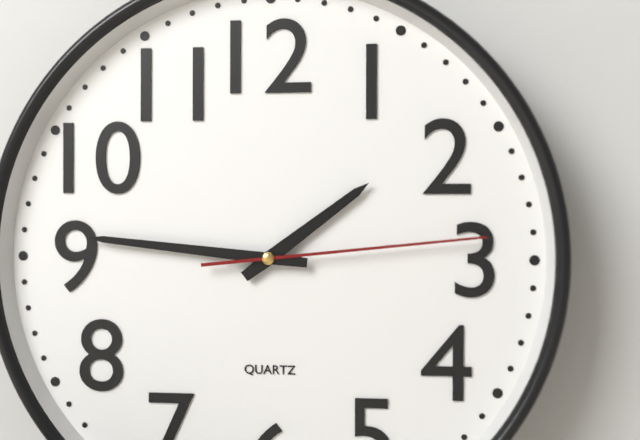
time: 1:46:14
